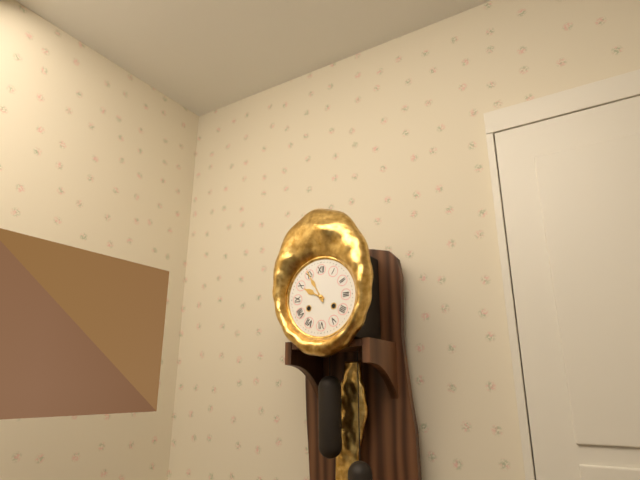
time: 9:55
